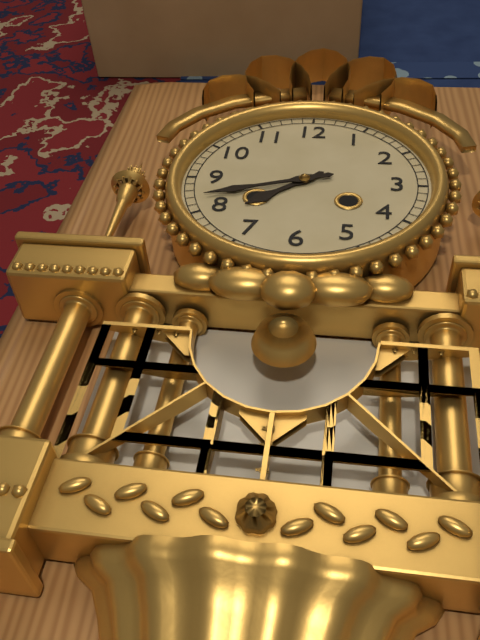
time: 7:42
